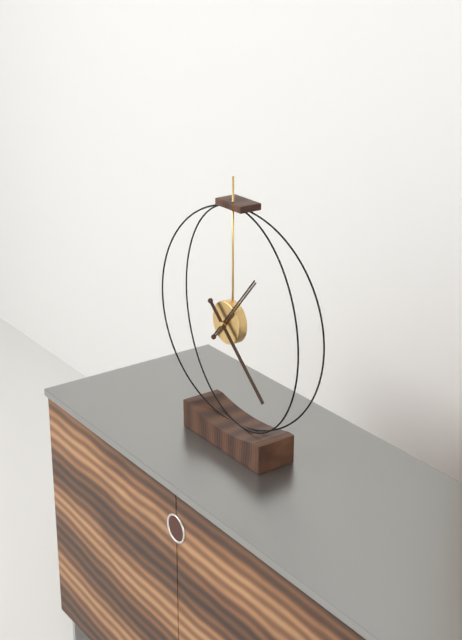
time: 1:22
